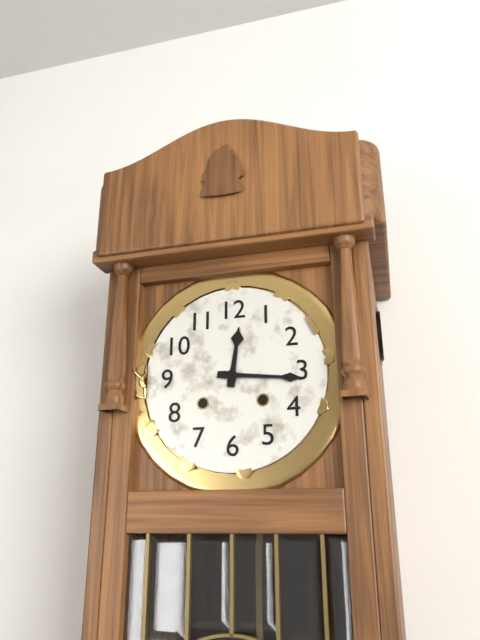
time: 12:16
